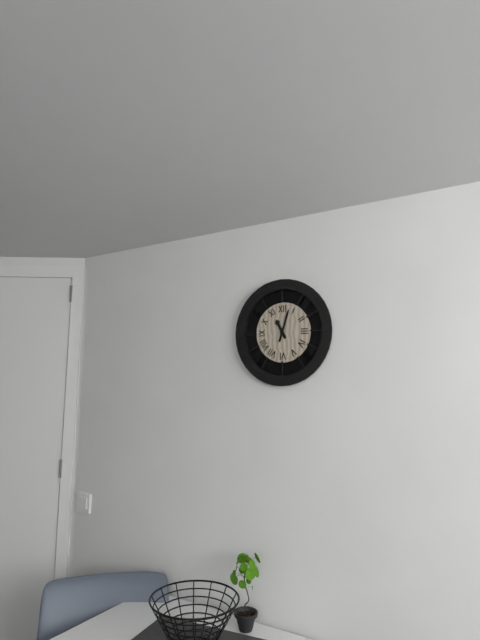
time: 11:03
